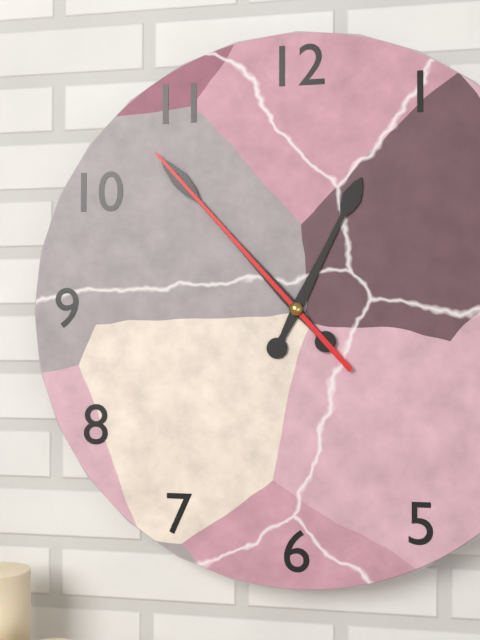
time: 12:53:53
